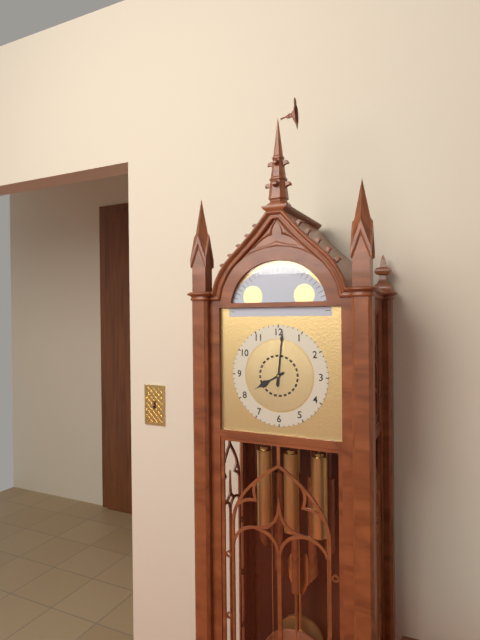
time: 8:01
